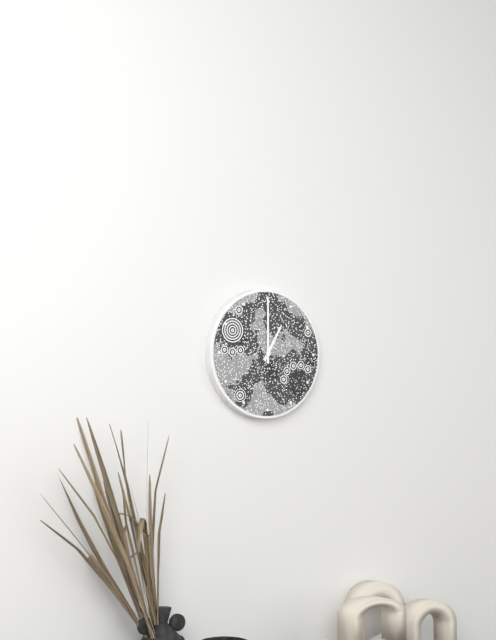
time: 1:00
